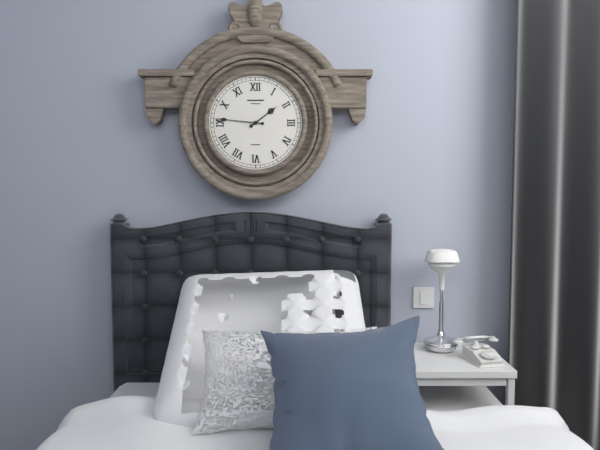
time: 1:46
